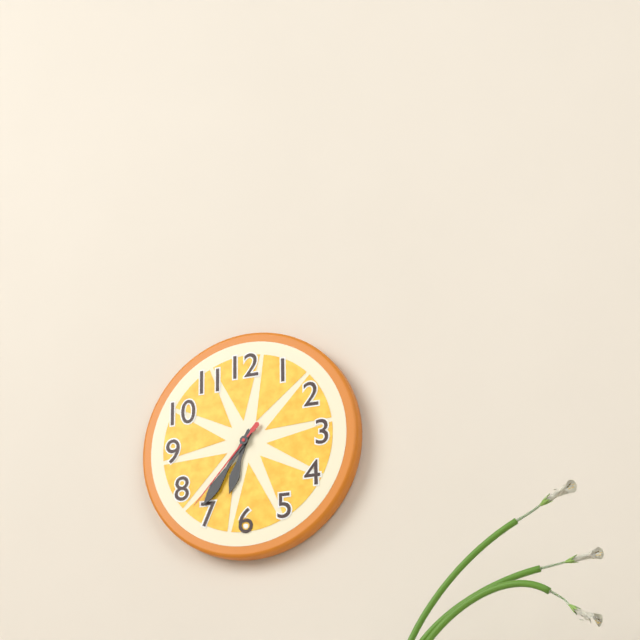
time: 6:36:37
